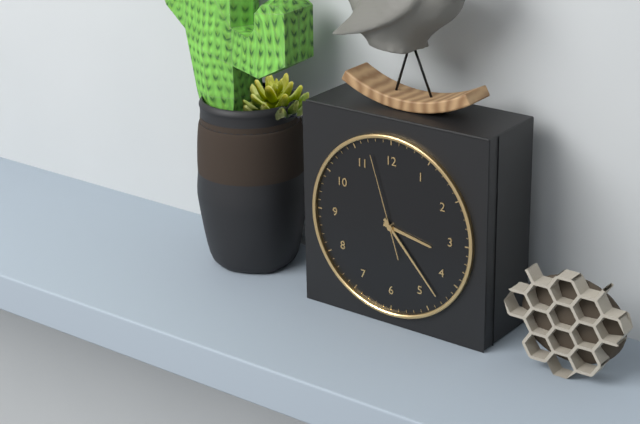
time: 3:23:57
